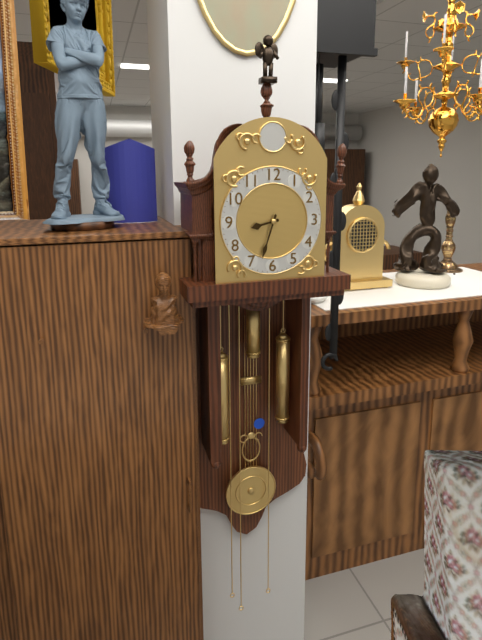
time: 8:33
